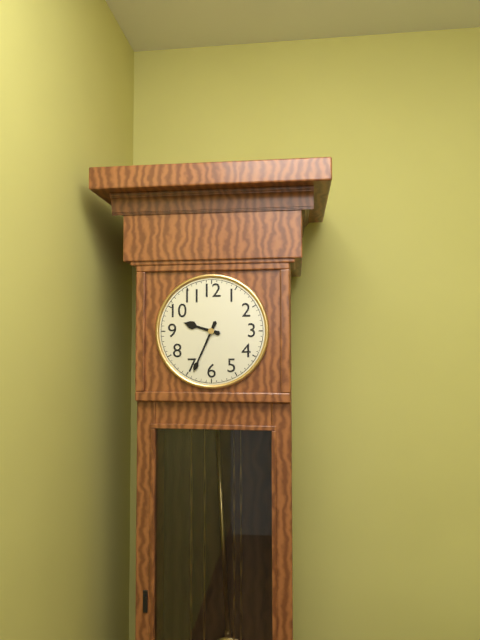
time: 9:34
